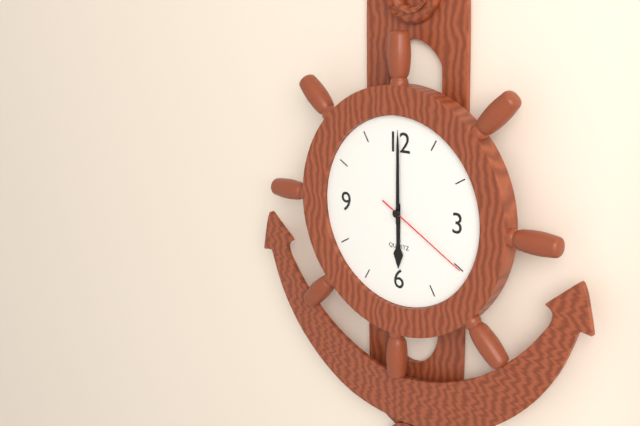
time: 6:00:20
